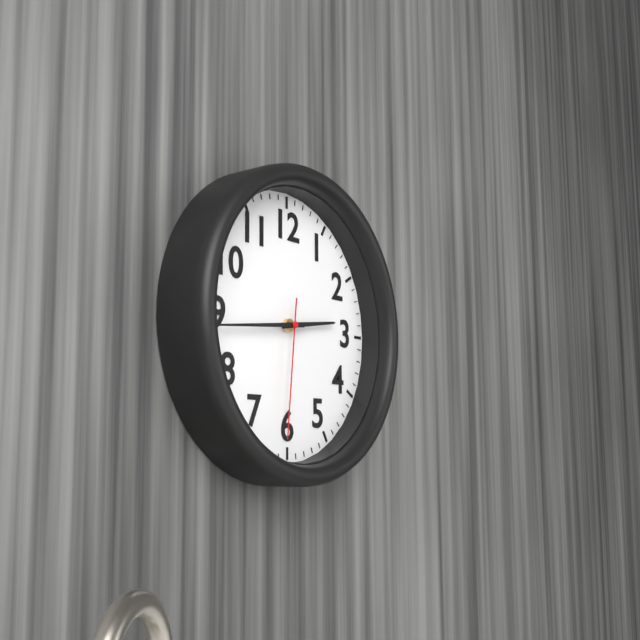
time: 2:44:31
